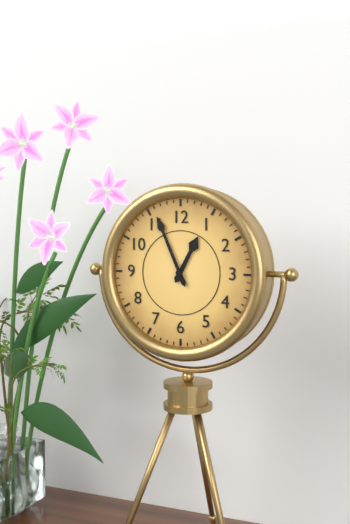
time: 12:56
